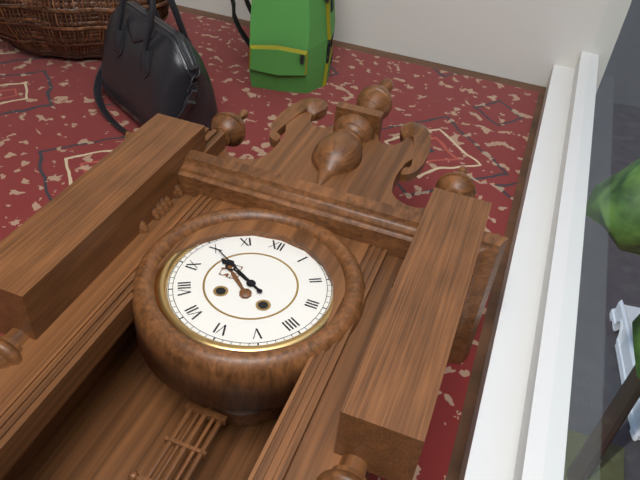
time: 9:50
